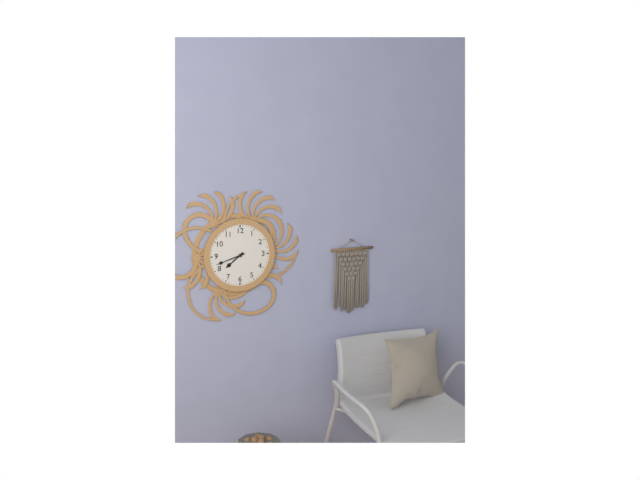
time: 7:42
